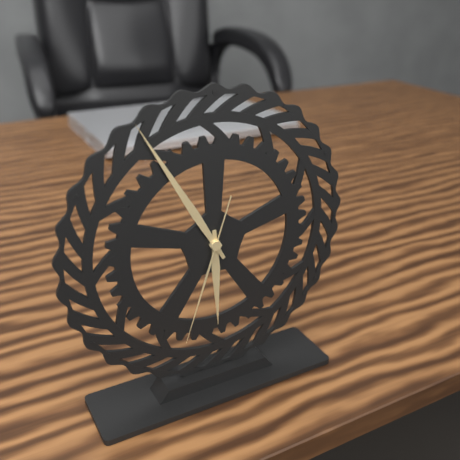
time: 5:55:33
